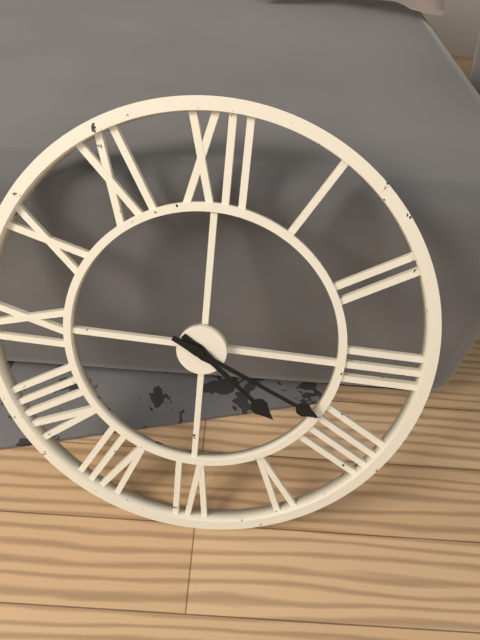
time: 4:19
